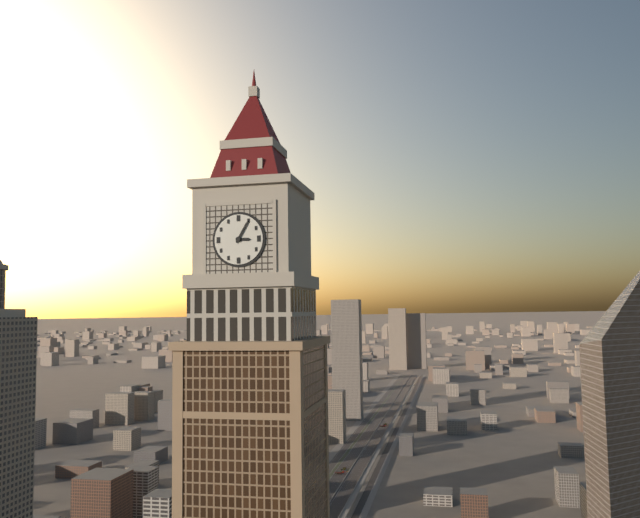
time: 3:05
